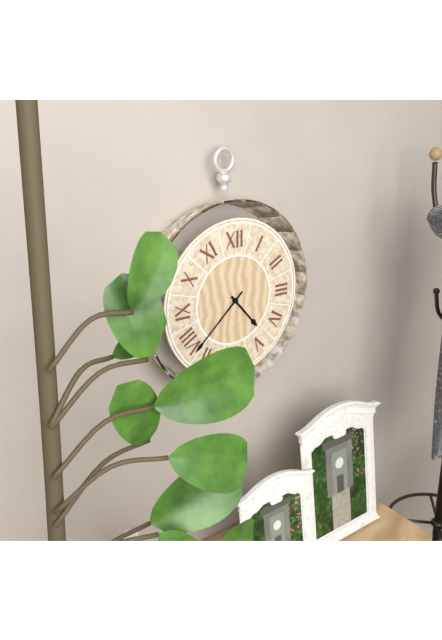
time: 4:38
